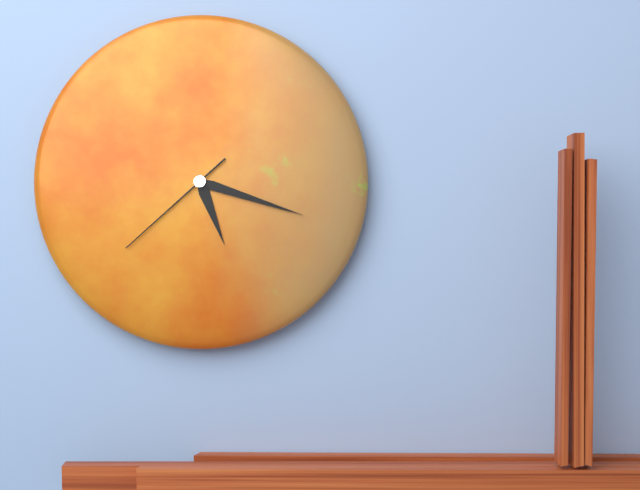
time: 5:18:38
